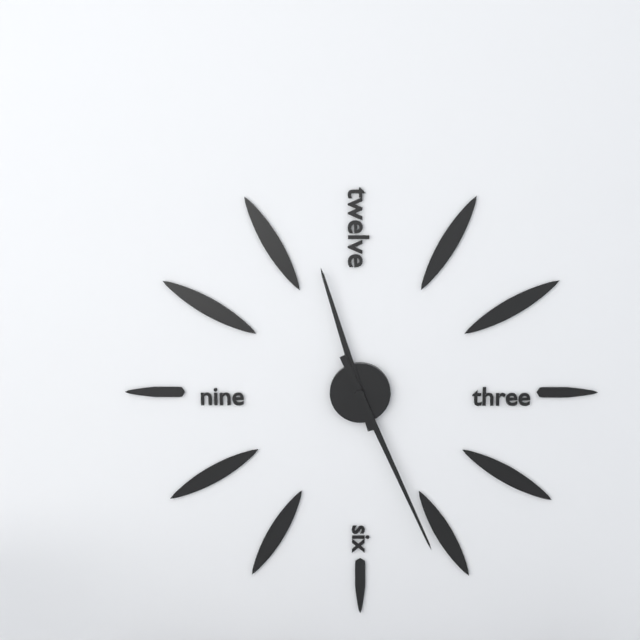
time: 11:26
